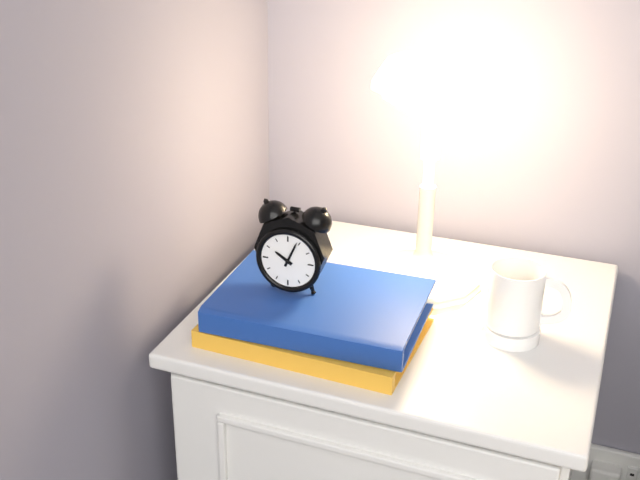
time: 10:04
